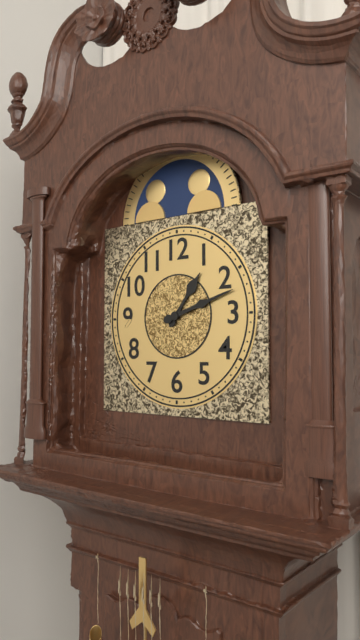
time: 1:12
